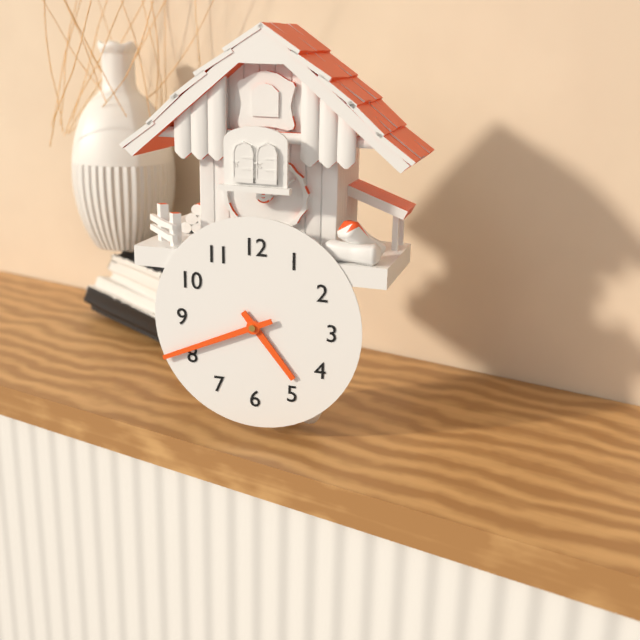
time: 4:41
